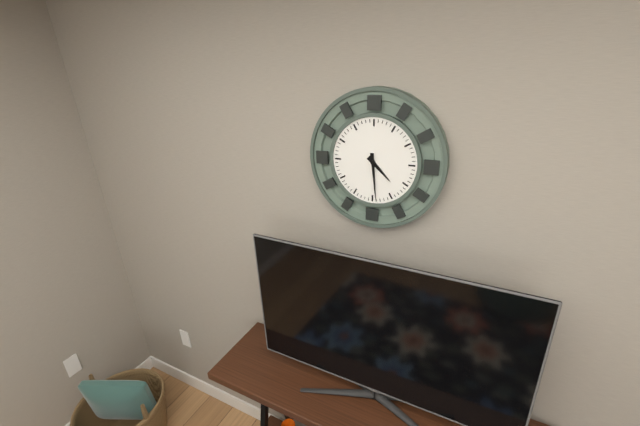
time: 4:29
